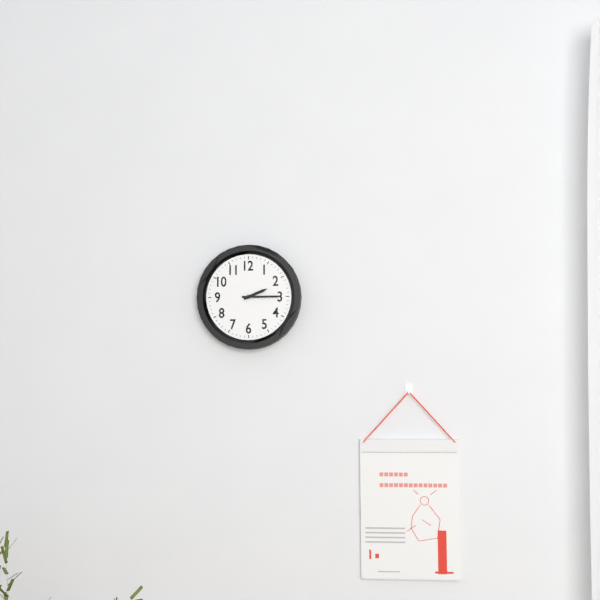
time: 2:15
